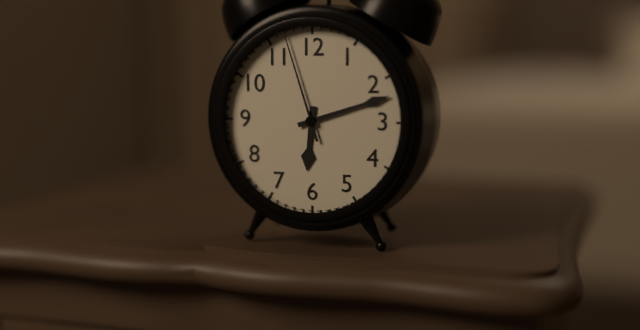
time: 6:12:57
